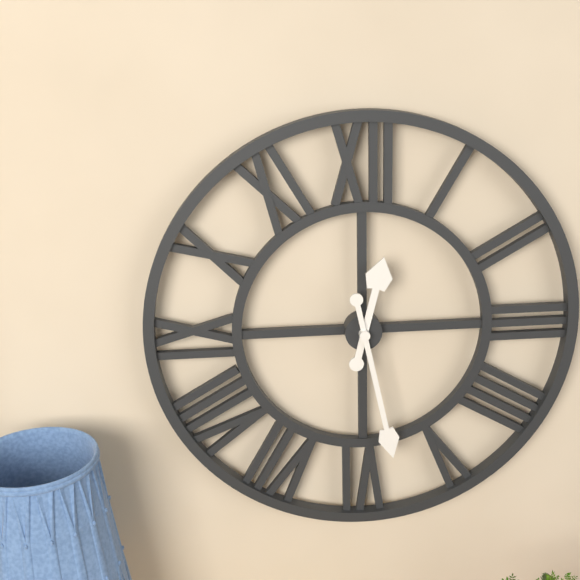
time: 12:28
